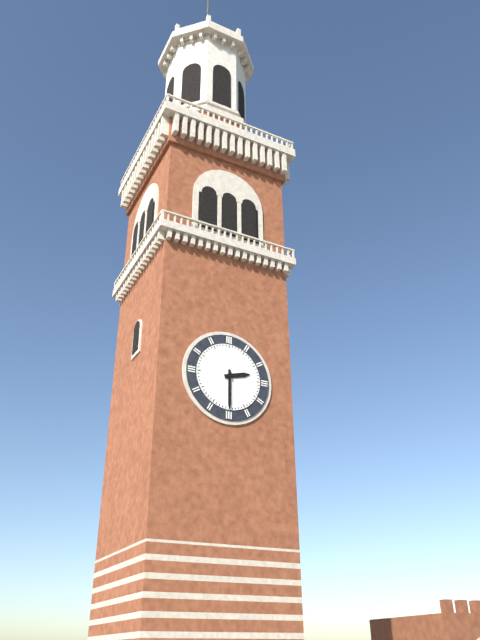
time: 2:30
